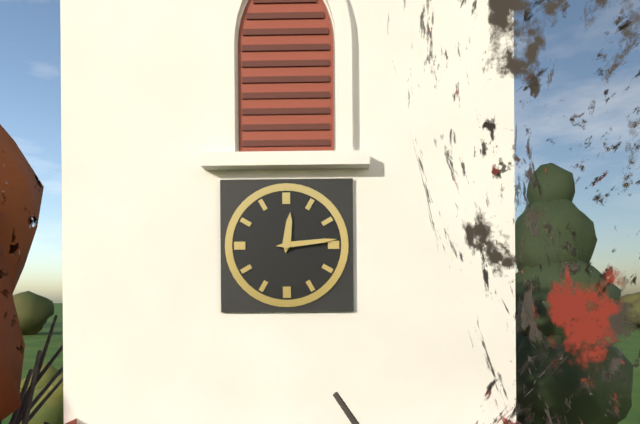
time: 12:14
